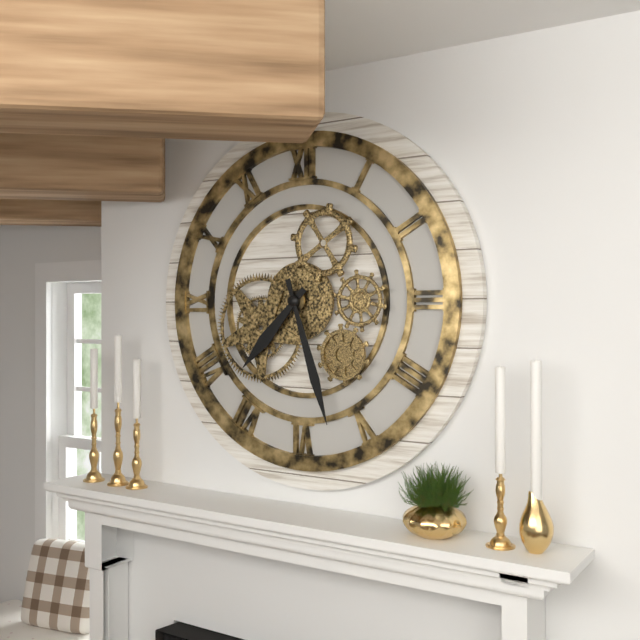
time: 7:27
